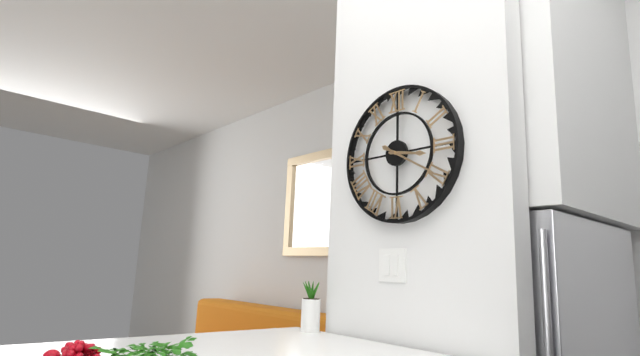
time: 3:20
